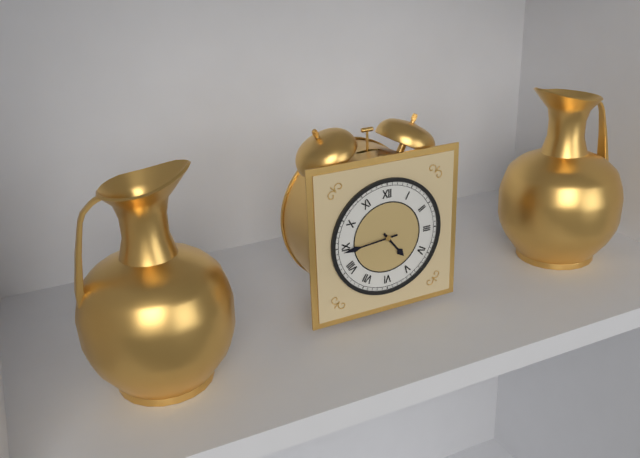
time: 4:44
